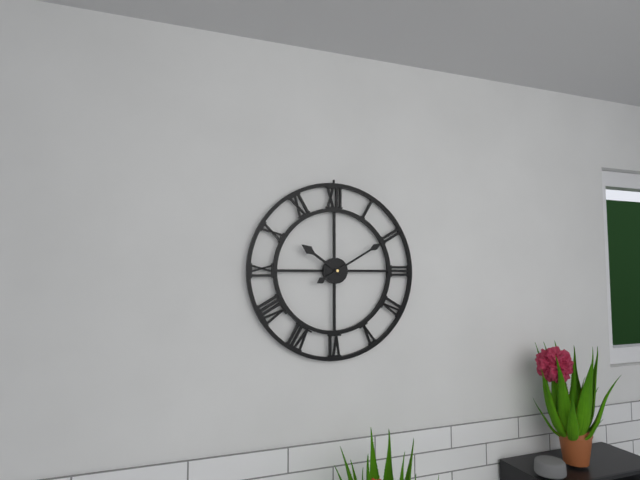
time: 10:10
